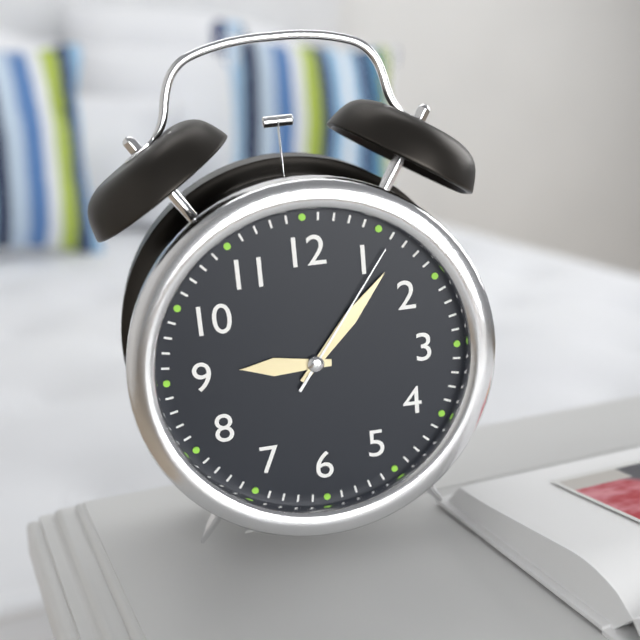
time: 9:07:06
